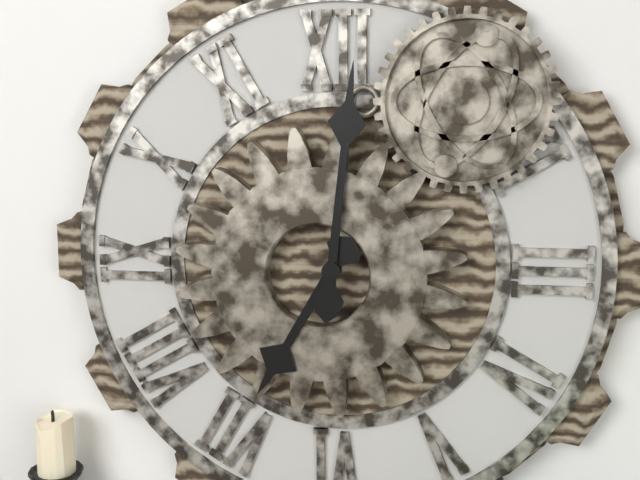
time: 7:01
